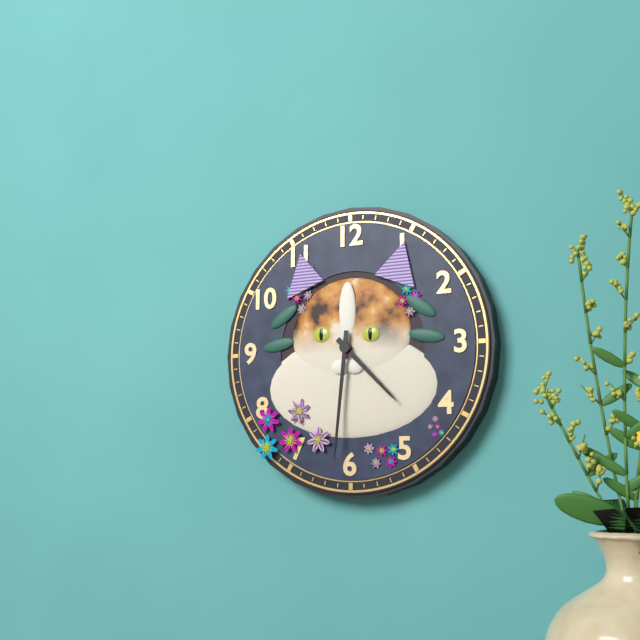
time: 4:31
